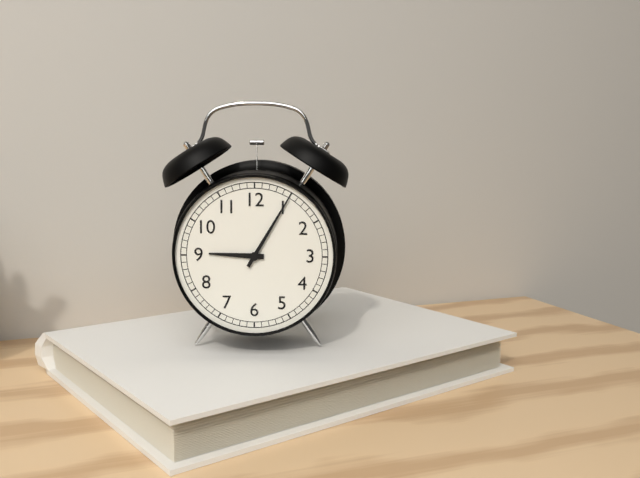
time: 9:05
